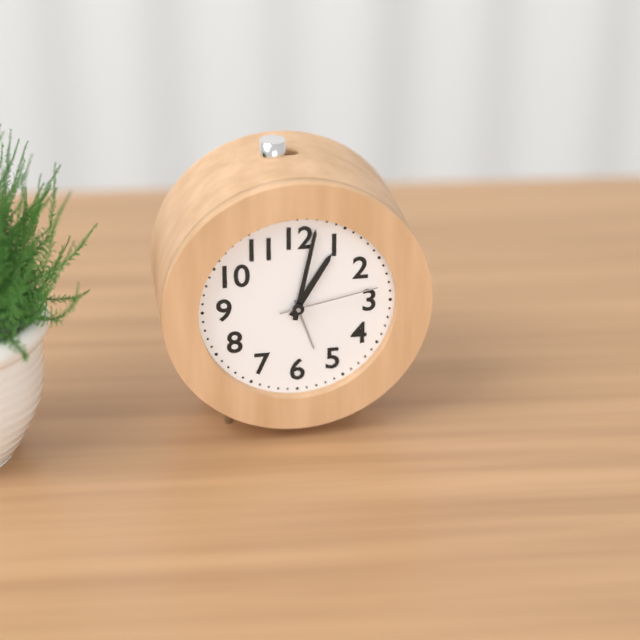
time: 1:02:13
